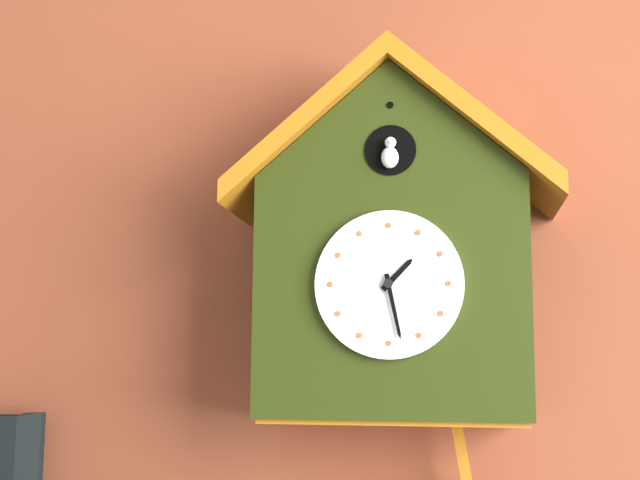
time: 1:28
